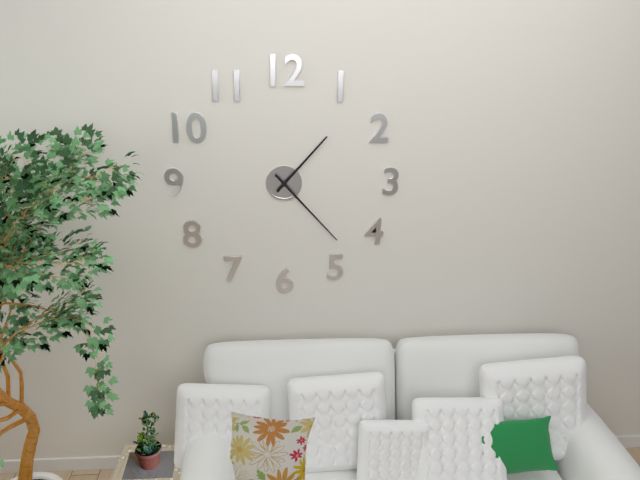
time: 1:23
